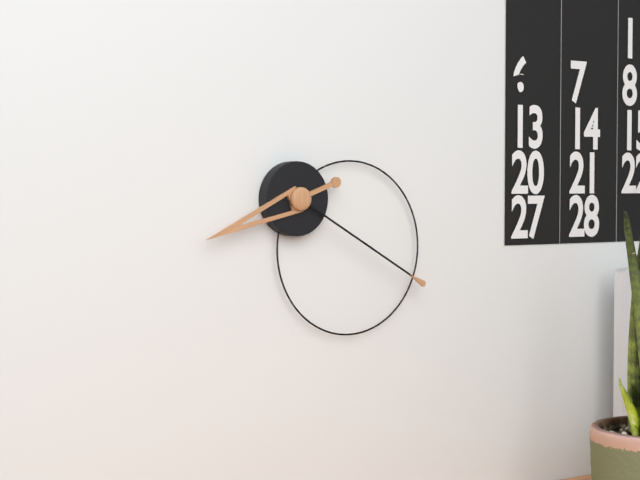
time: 8:20
